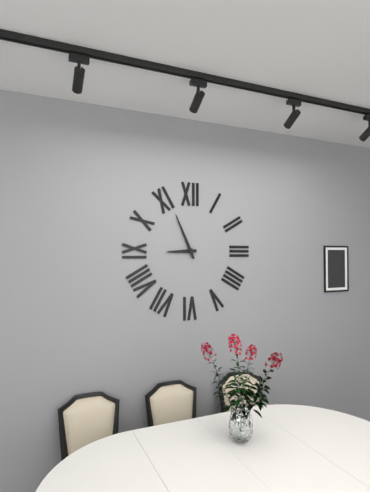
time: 8:56
